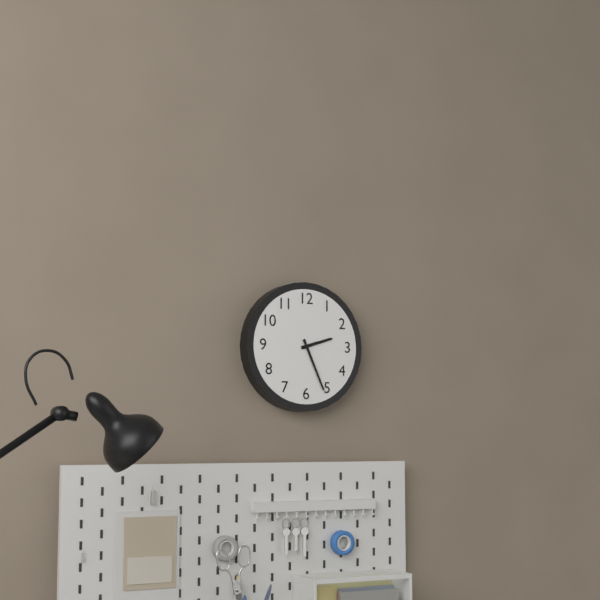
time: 2:26
